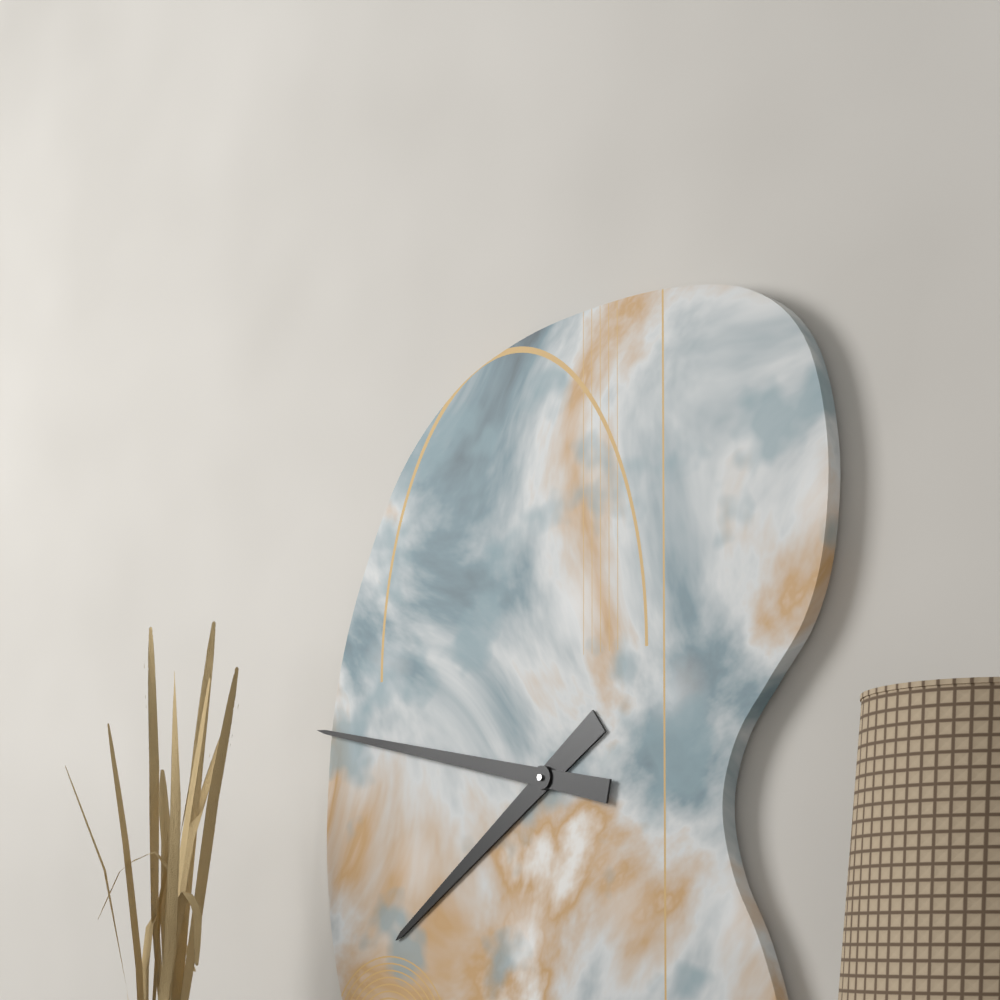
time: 7:47
